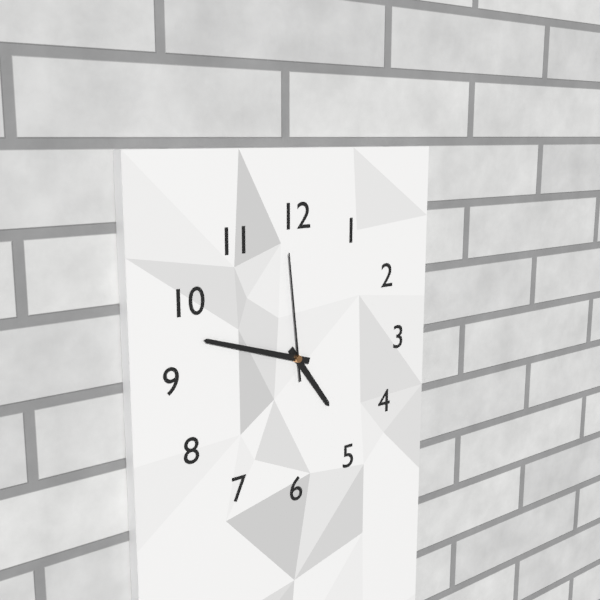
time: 4:48:59
